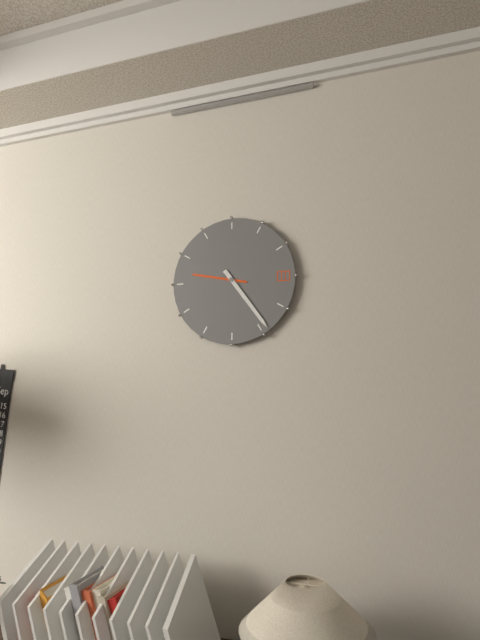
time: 9:24
